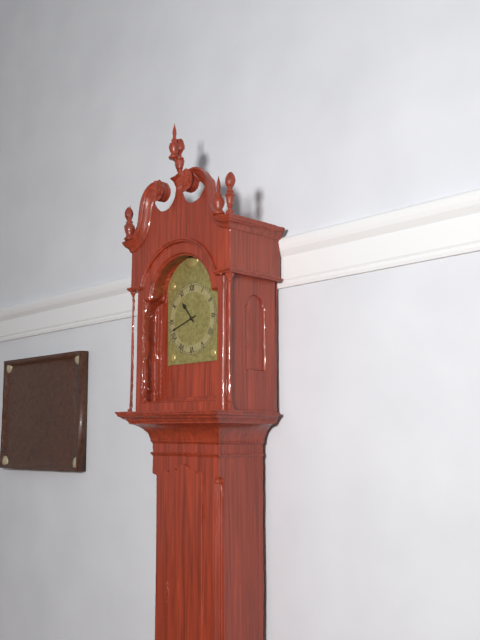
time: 10:42
